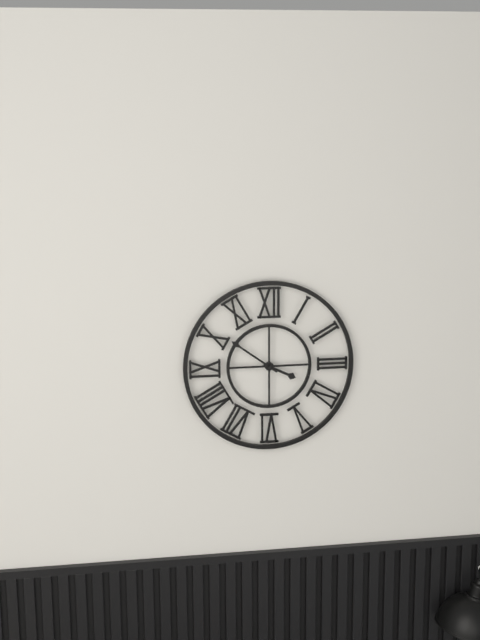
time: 3:51
